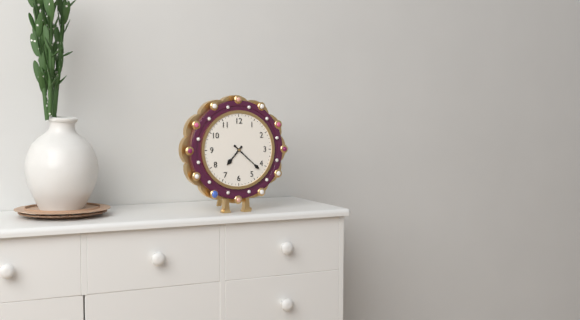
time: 7:22
